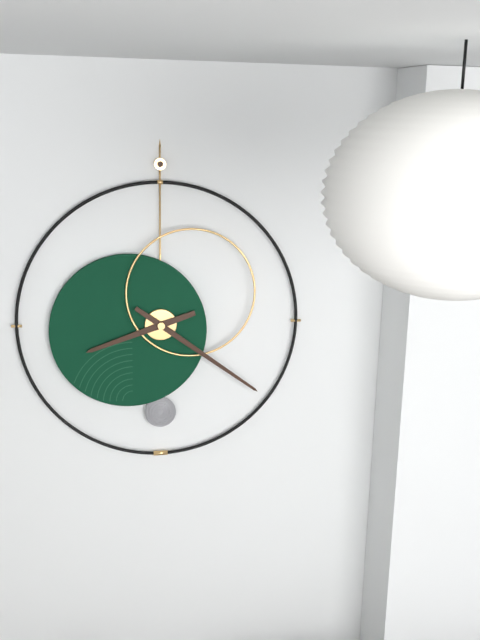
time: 8:21
